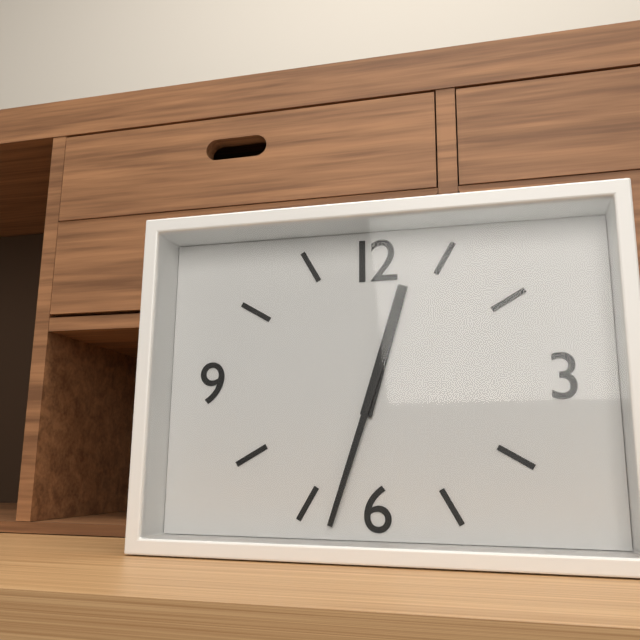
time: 12:33
